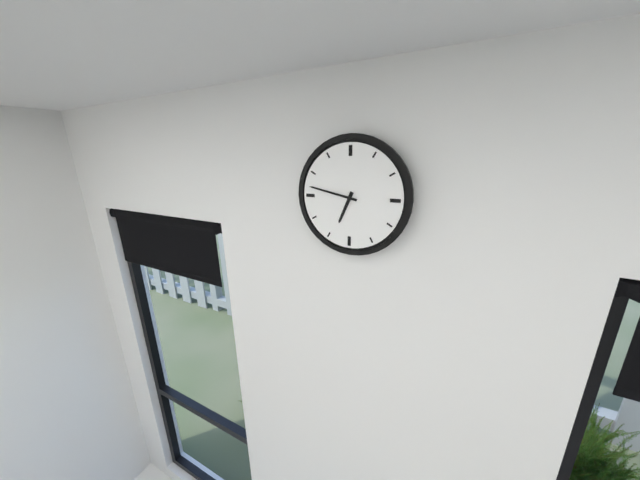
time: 6:47
